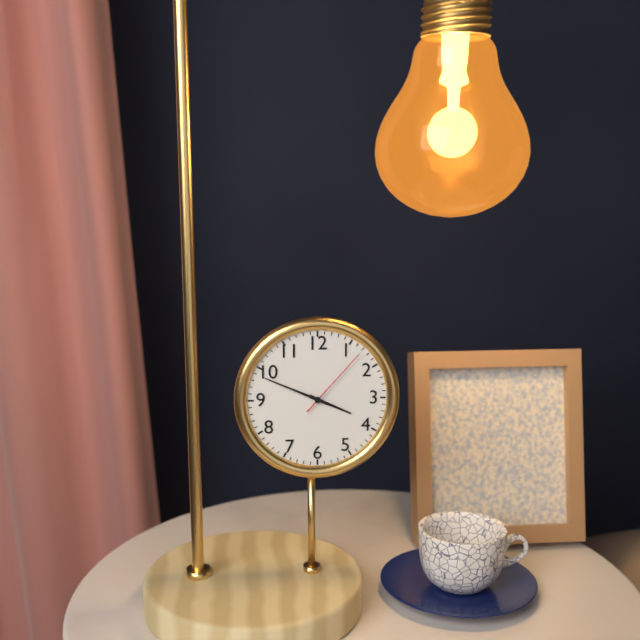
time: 3:49:07
